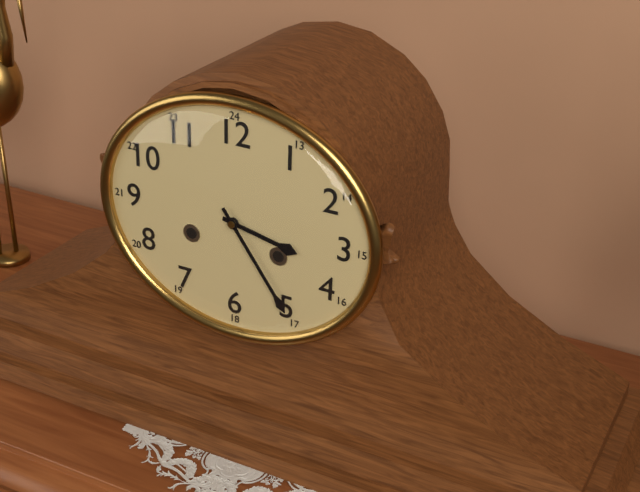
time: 3:24
